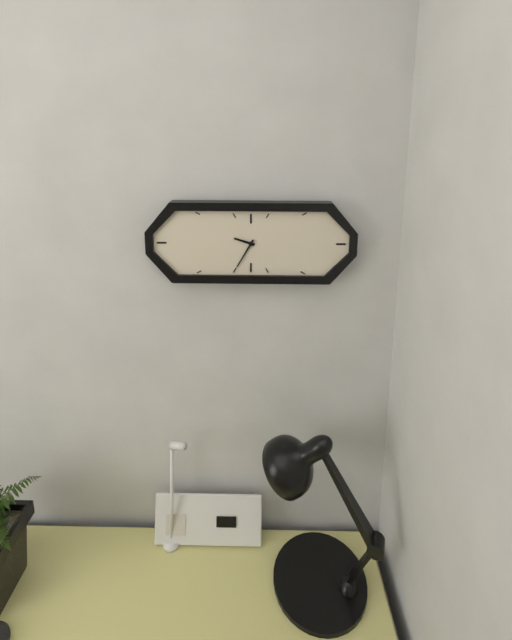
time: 9:35
